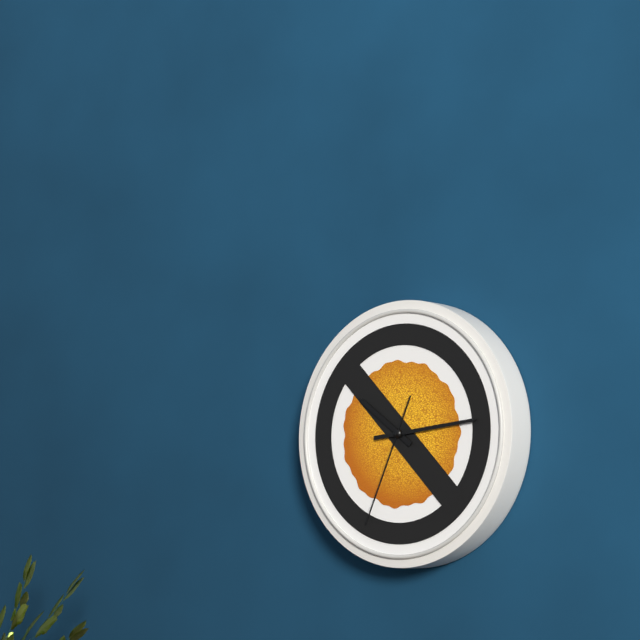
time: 10:14:34
